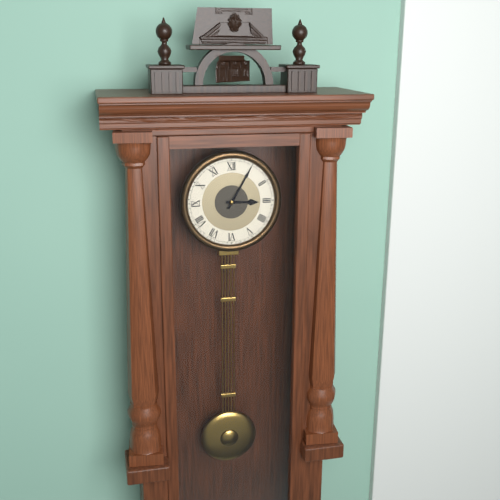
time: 3:05
